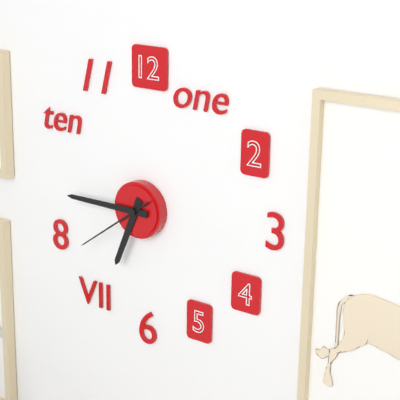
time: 6:45:39
